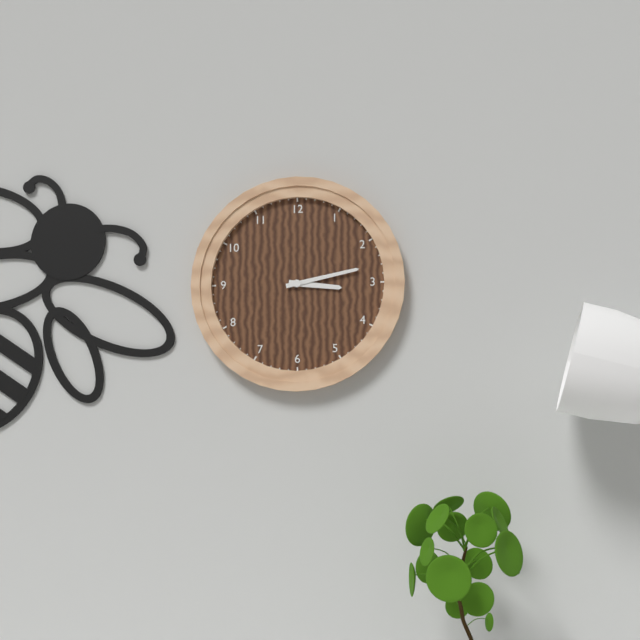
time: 3:13
